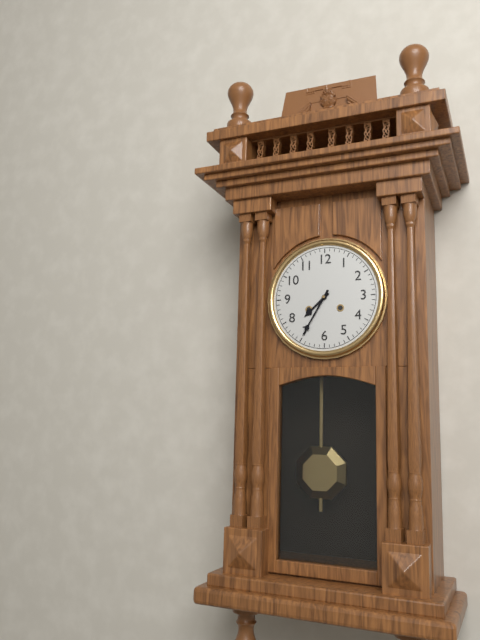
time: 7:35
